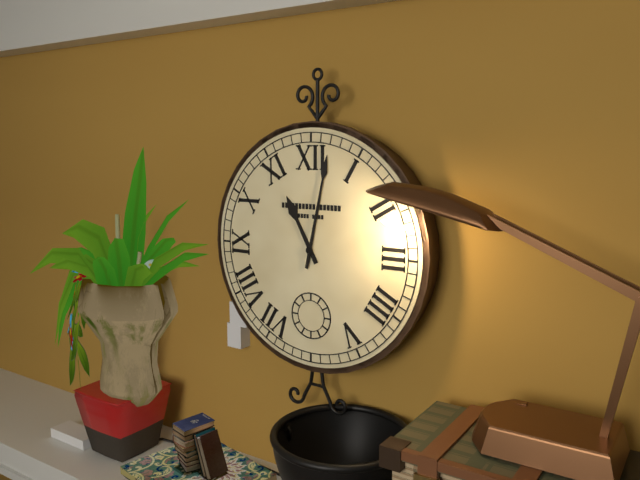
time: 11:02
